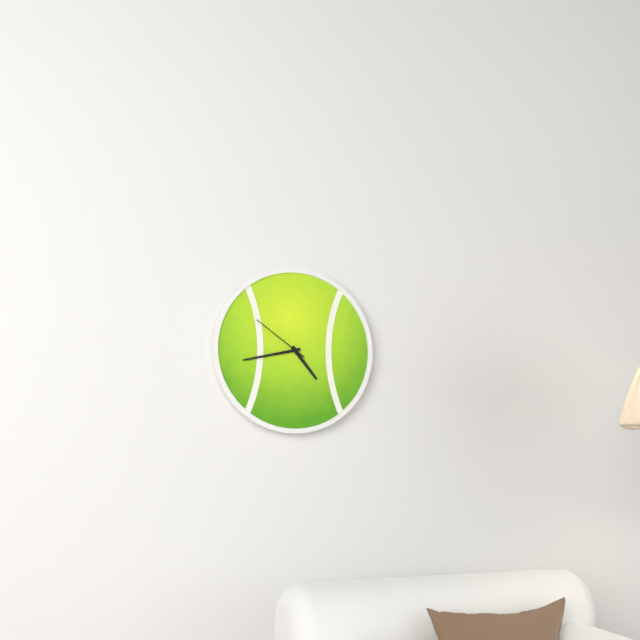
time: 4:43:51
